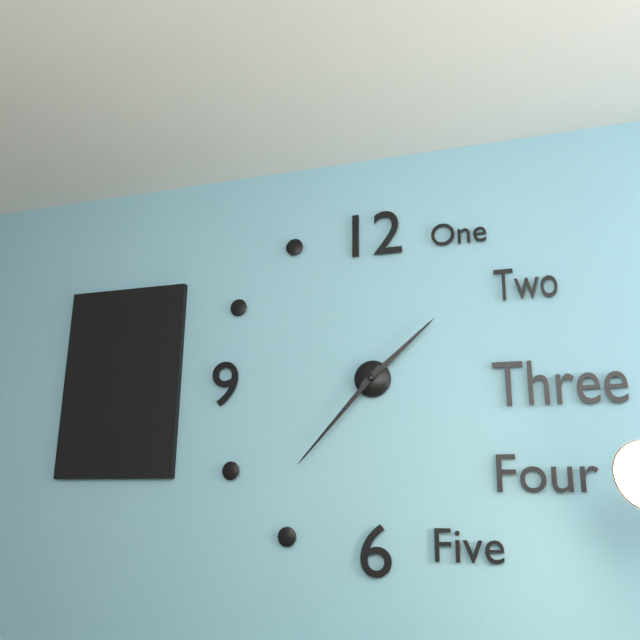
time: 1:37
